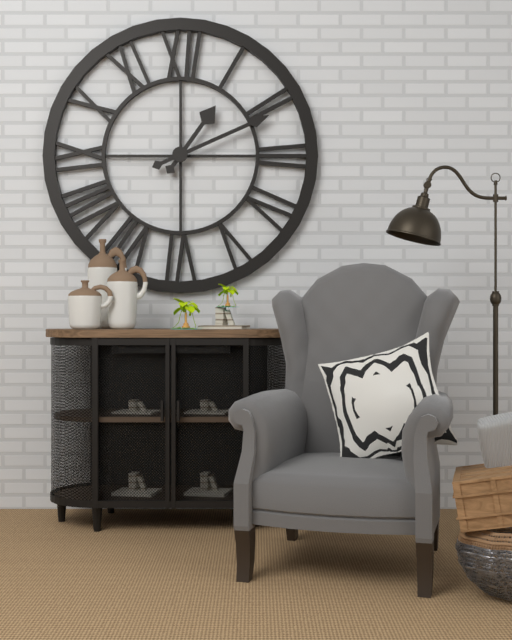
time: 1:11
